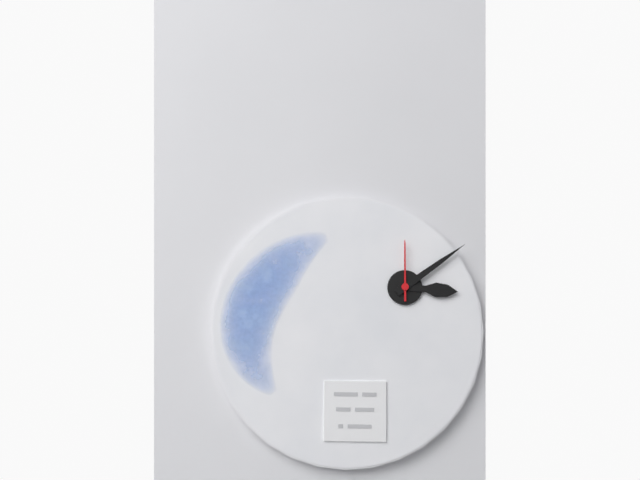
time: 3:09:00
